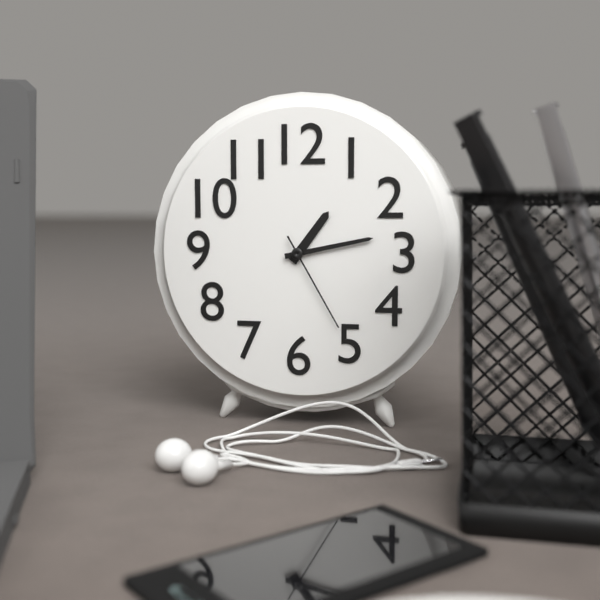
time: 1:13:25
